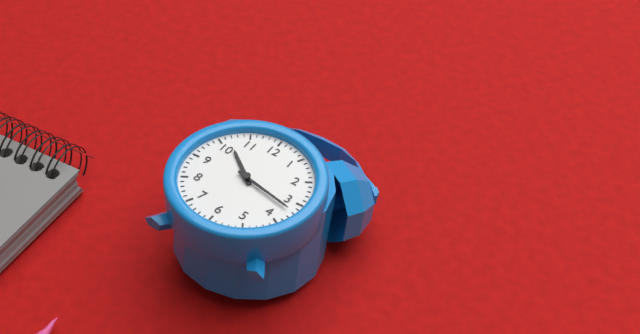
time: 10:17
